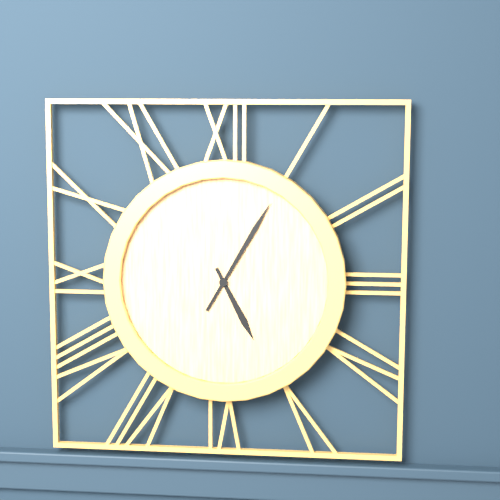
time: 5:05
